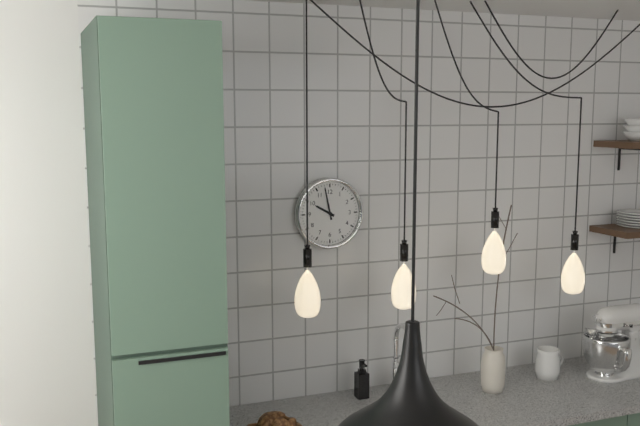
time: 9:58
